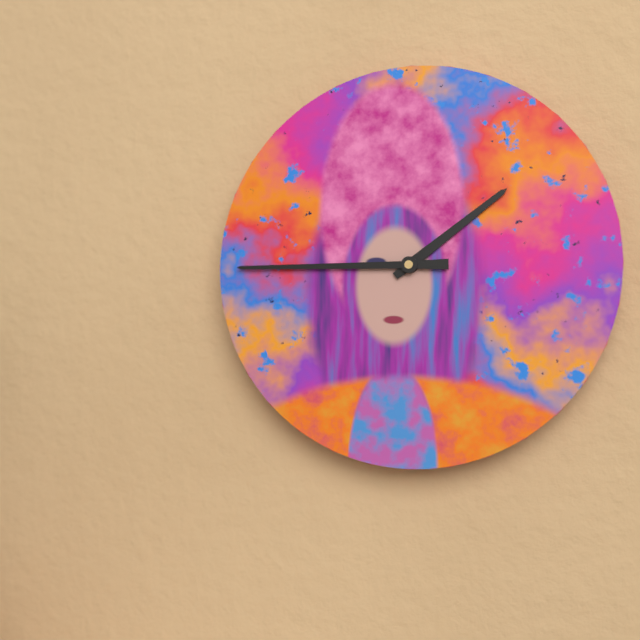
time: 1:45
